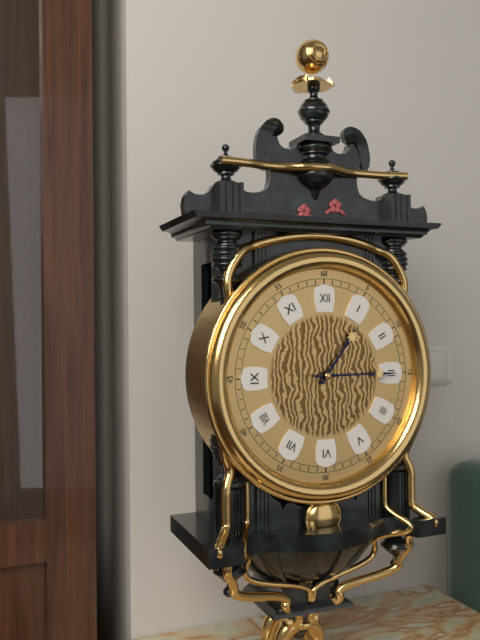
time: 1:15
